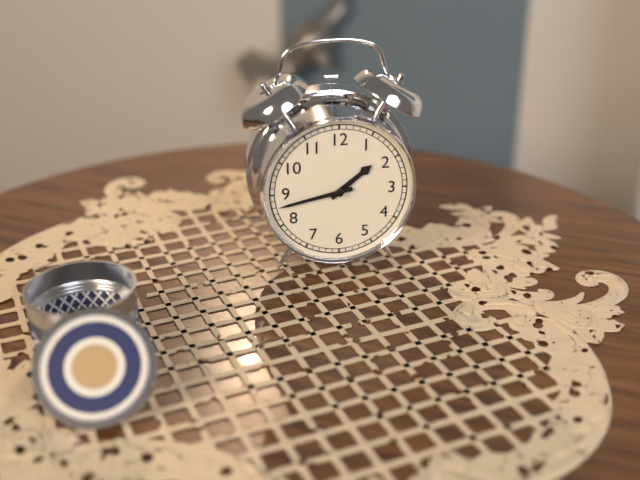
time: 1:43
